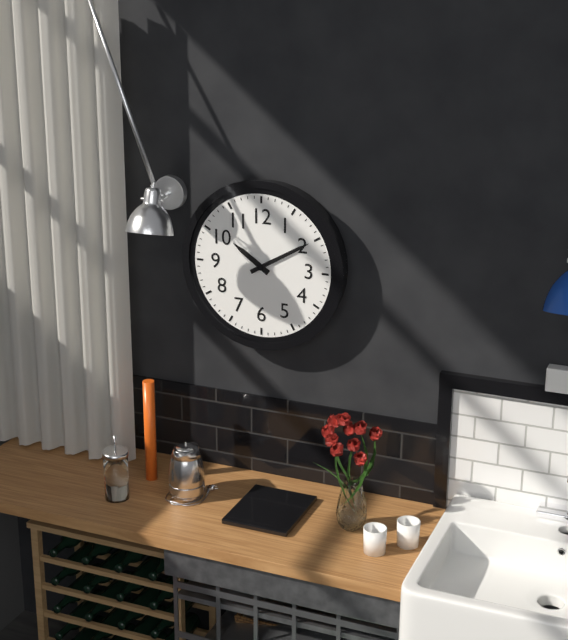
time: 10:10
